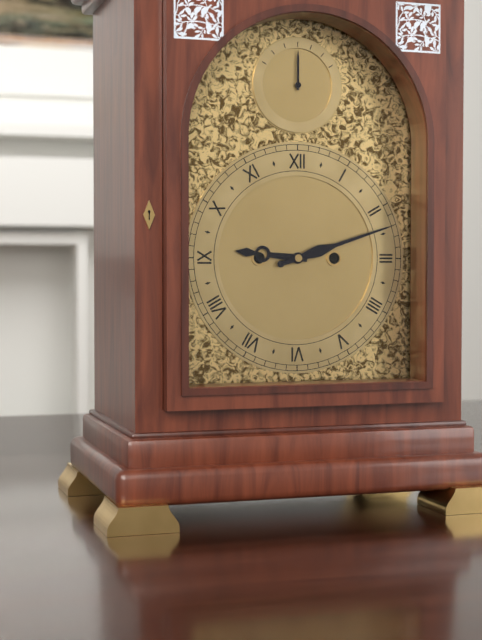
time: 9:12
